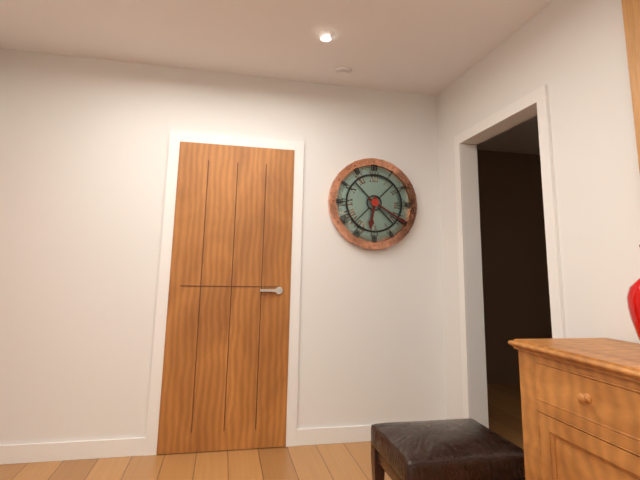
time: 6:20
